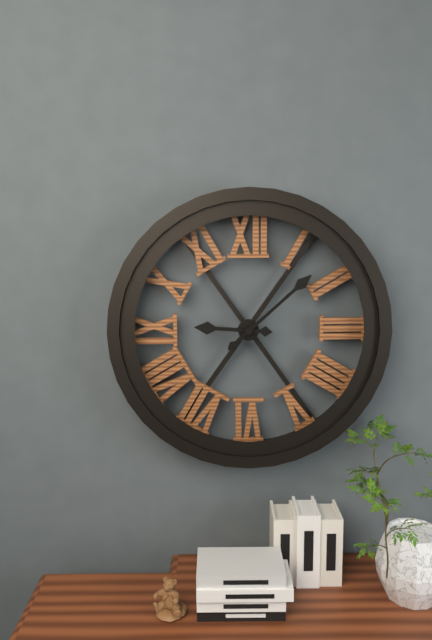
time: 9:08
